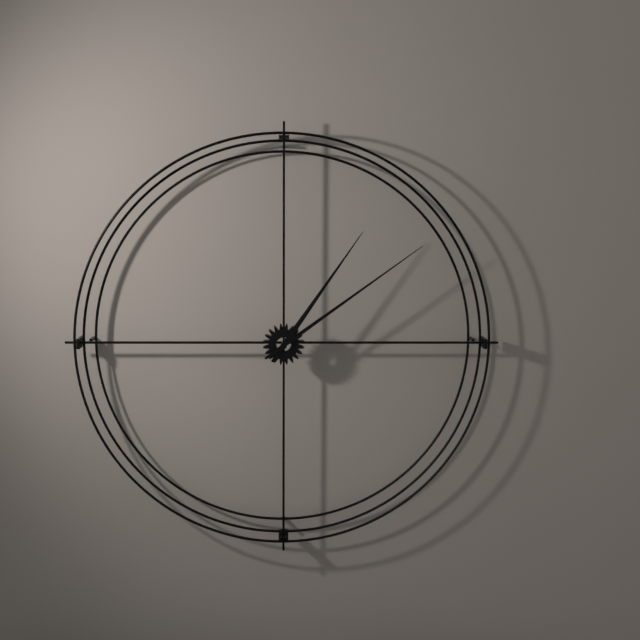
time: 1:09
